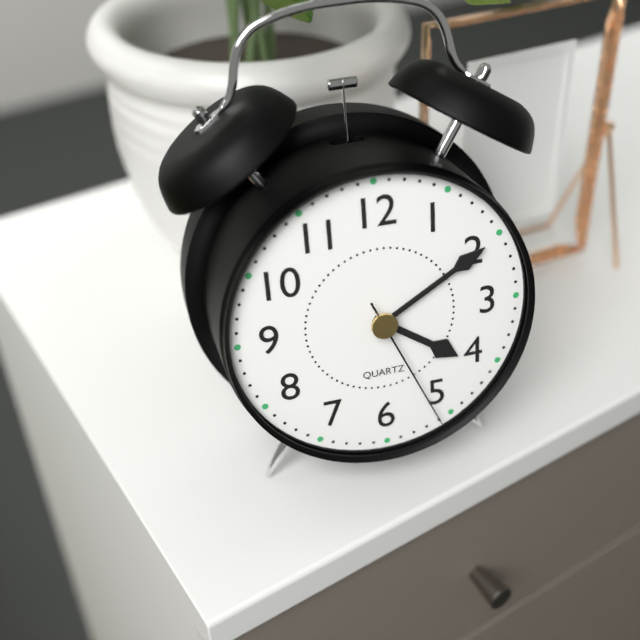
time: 4:10:26
